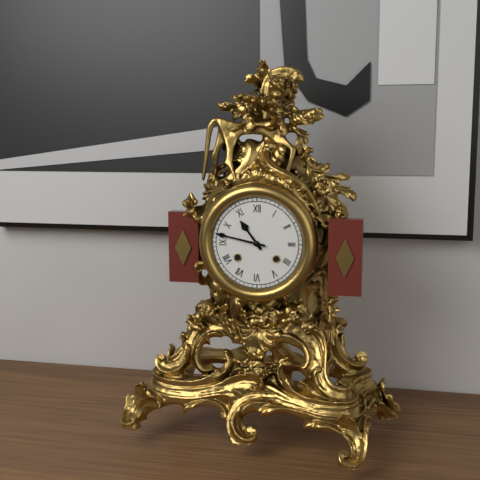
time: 10:47
